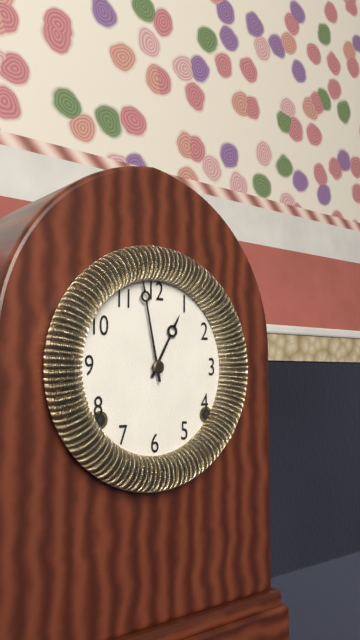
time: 12:58
